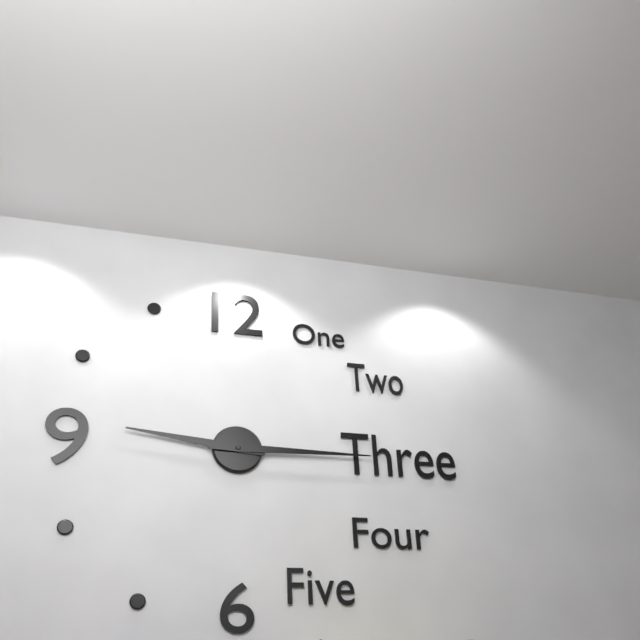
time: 9:15
